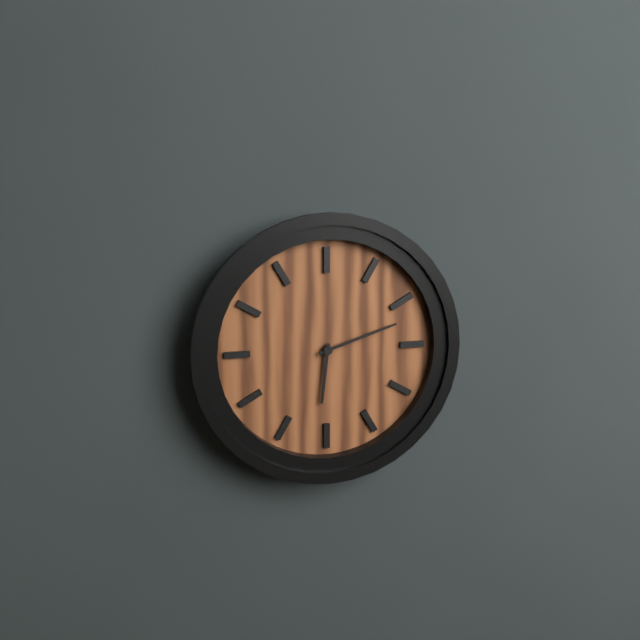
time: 6:12
